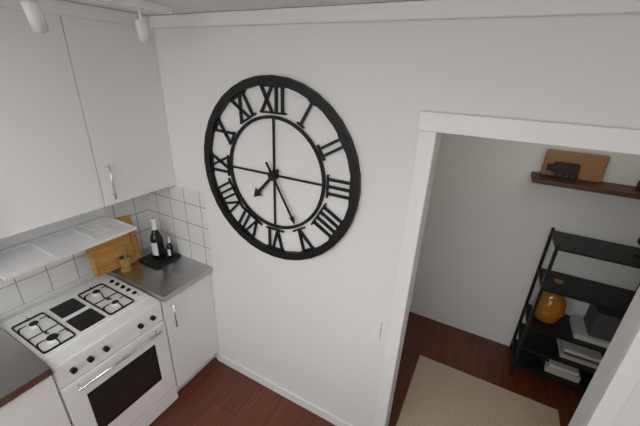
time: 7:25
